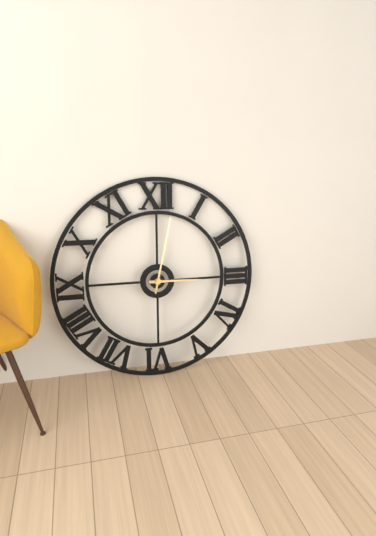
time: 3:02
